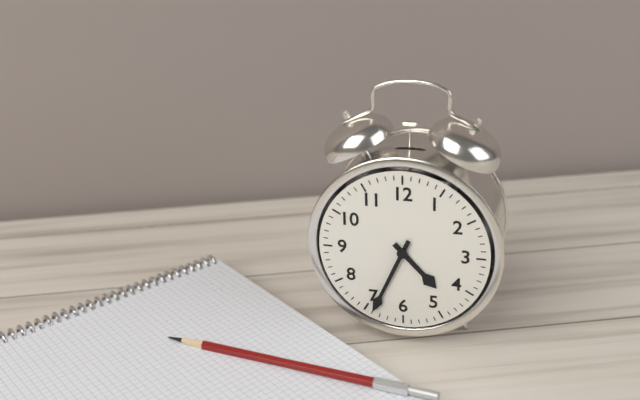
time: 4:34
